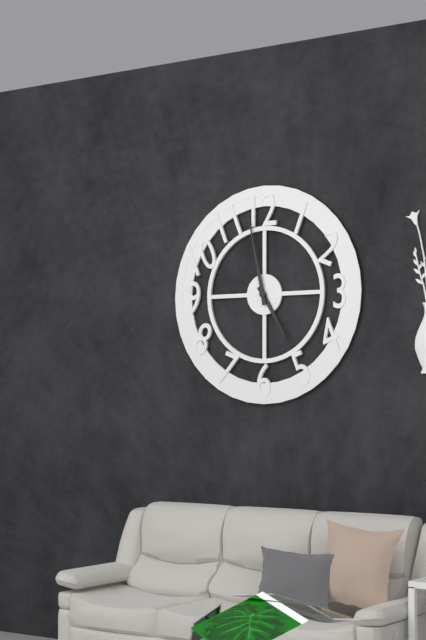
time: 4:58
